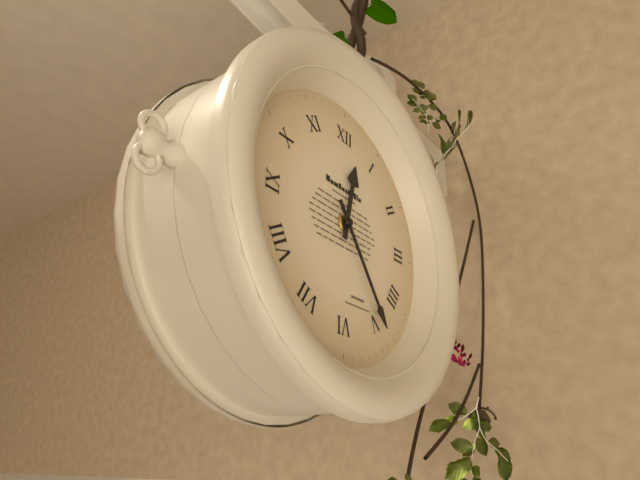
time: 12:24
